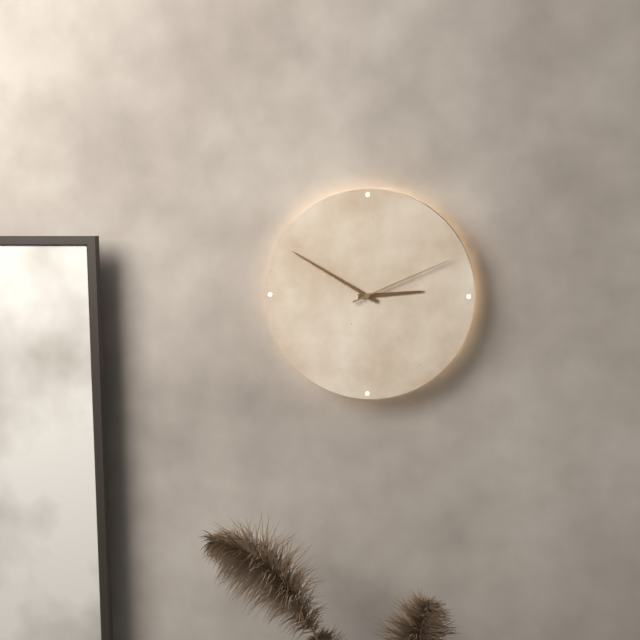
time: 2:50:11
